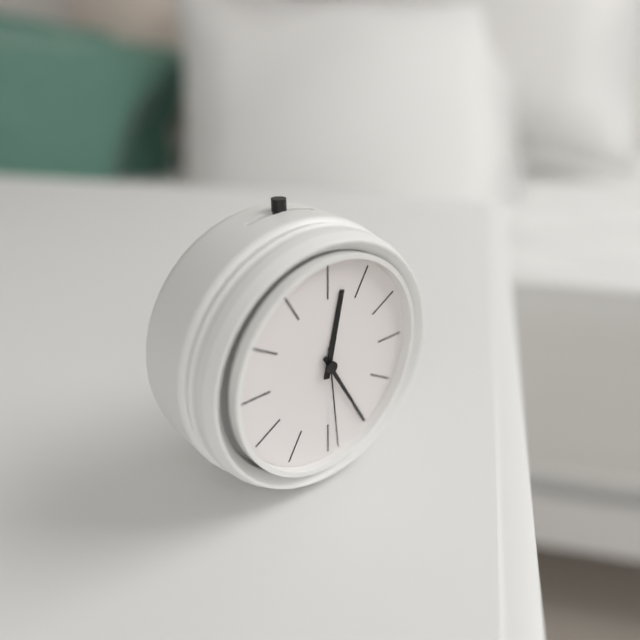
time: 12:25:29
